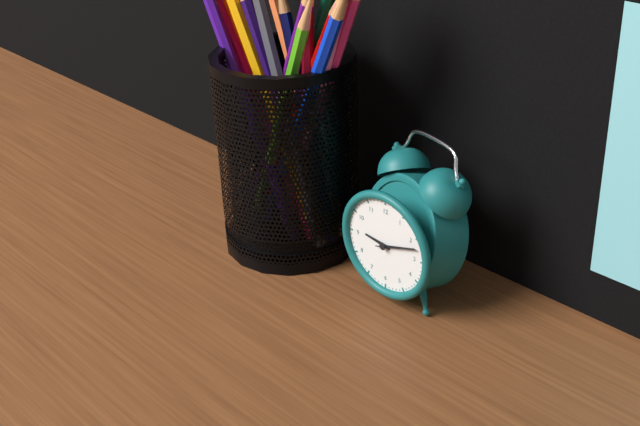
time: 9:12
